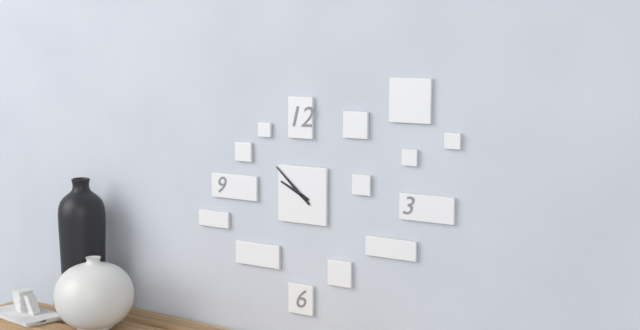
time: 9:52
